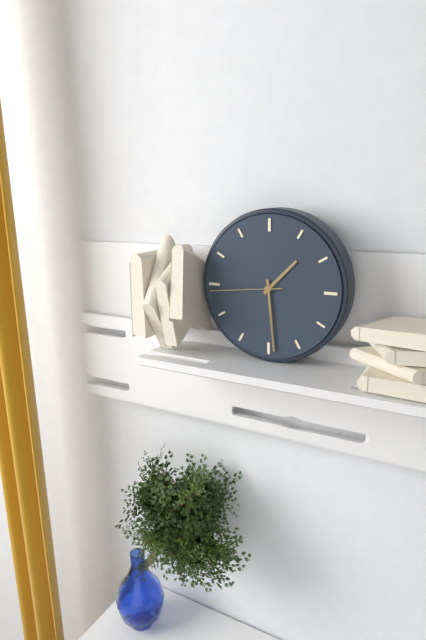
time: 1:29:44
